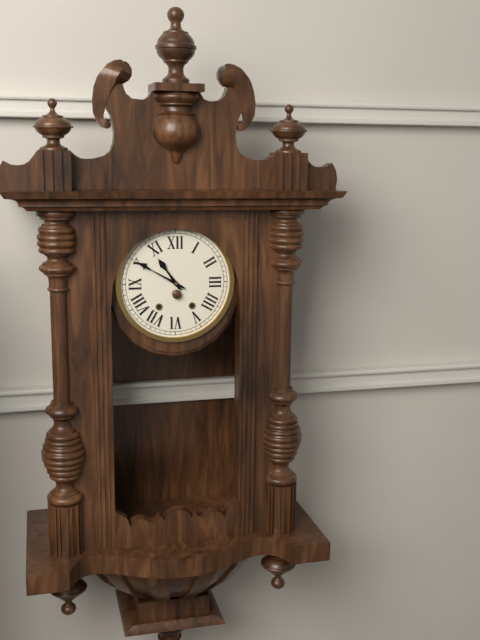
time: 10:50
